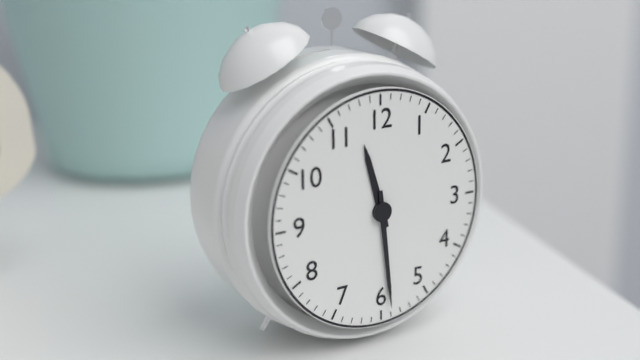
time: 11:29
